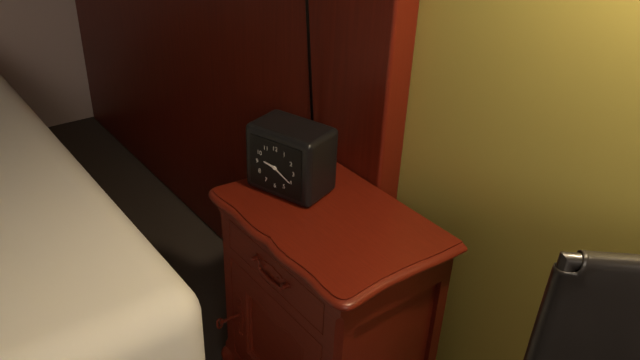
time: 9:20
